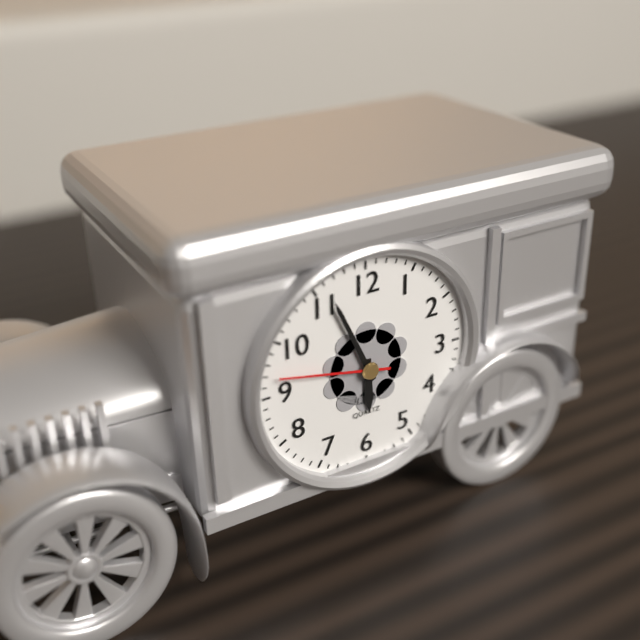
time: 5:56:47
